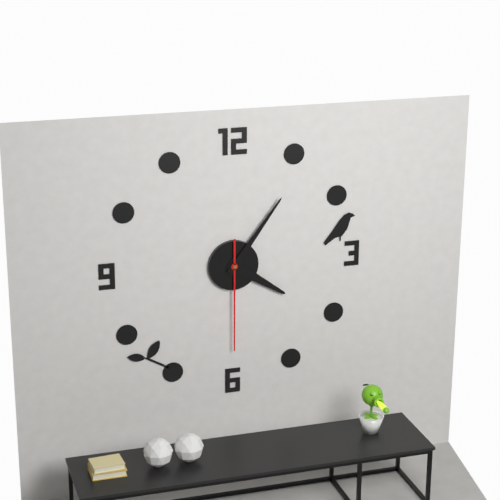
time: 4:06:30
